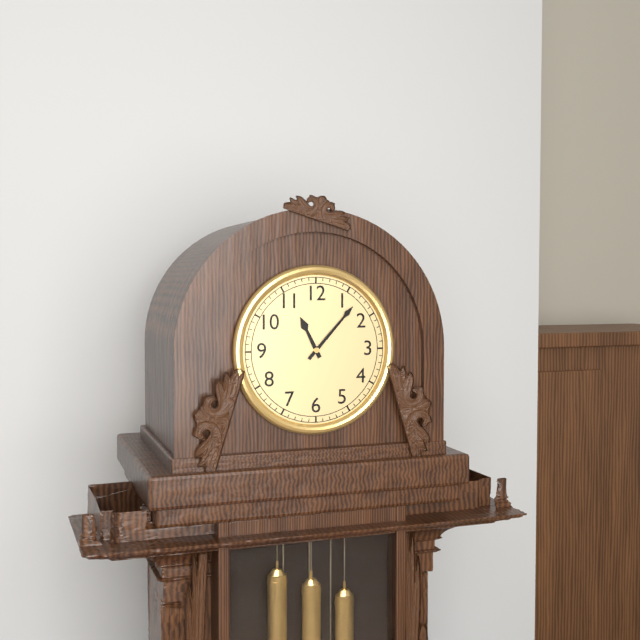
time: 11:07
